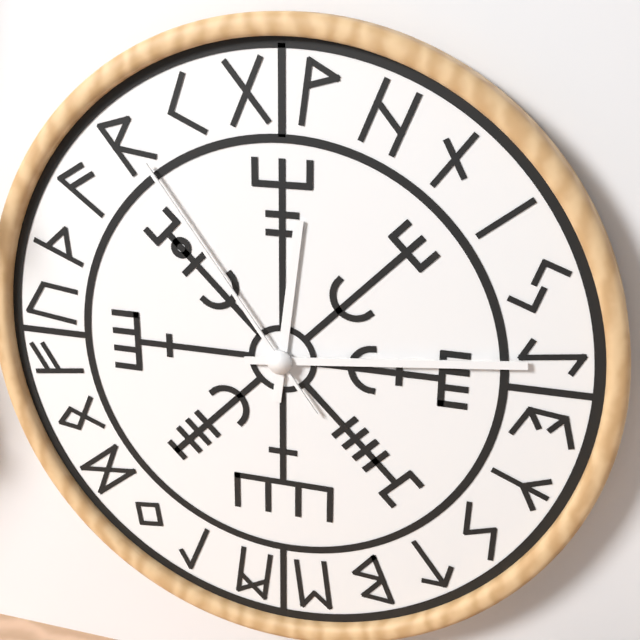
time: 12:14:54
